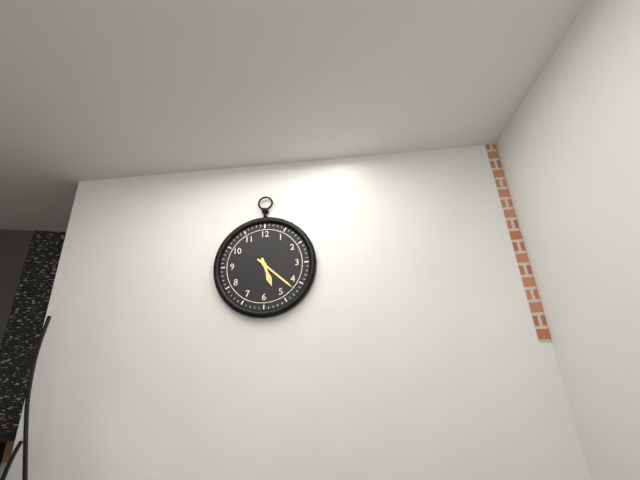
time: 5:22
